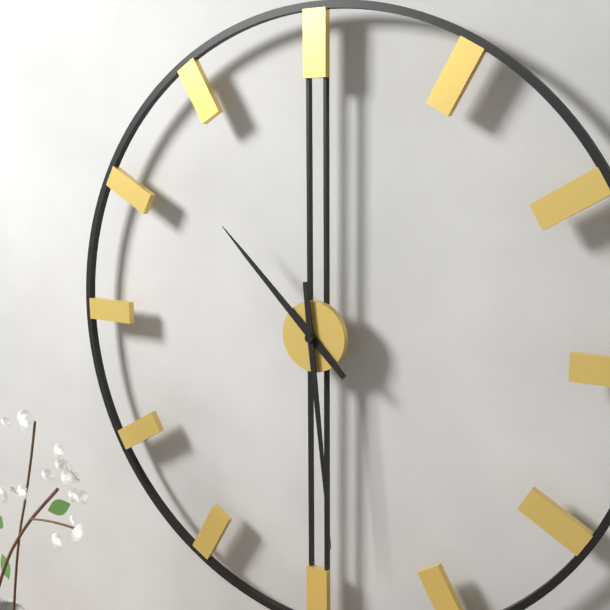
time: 10:29
